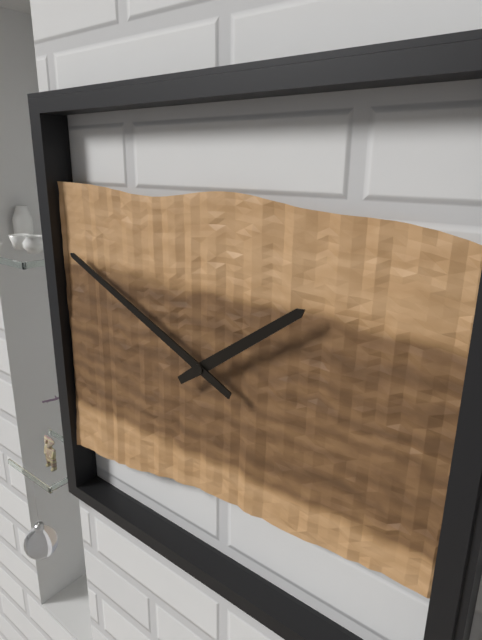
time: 1:49
